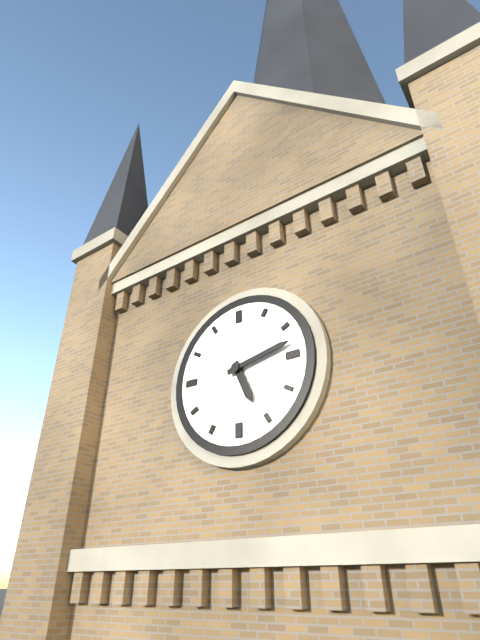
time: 5:13
